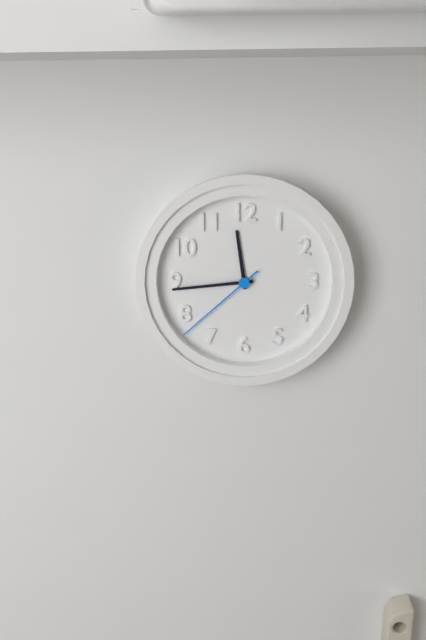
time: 11:44:38
